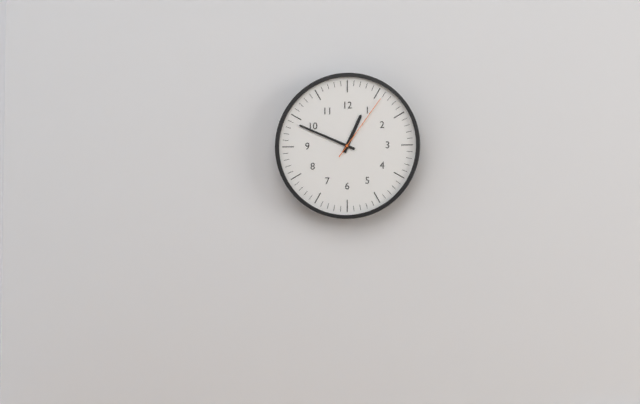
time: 12:49:06
